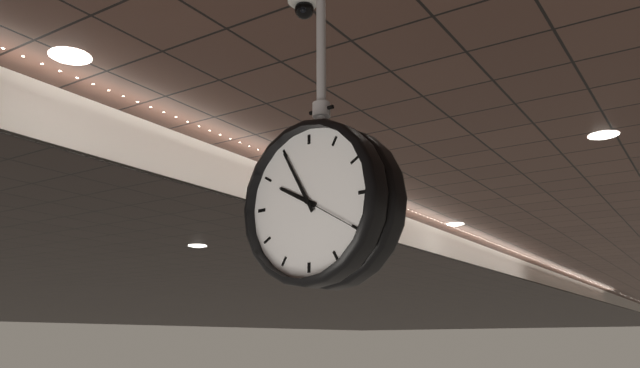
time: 9:55:20
